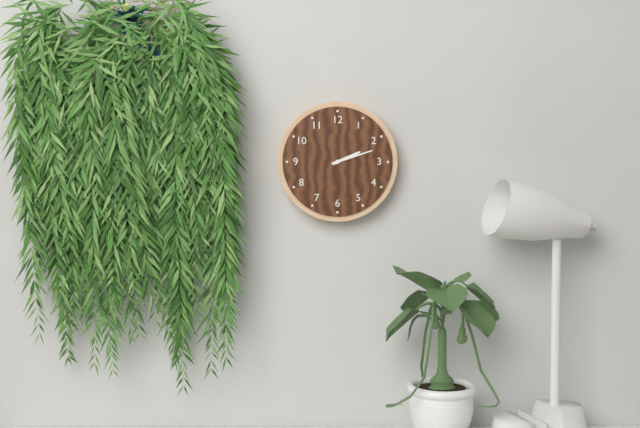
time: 2:12
